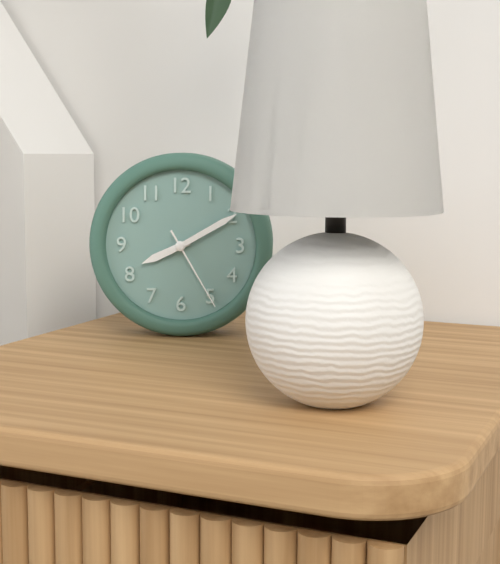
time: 8:10:25
